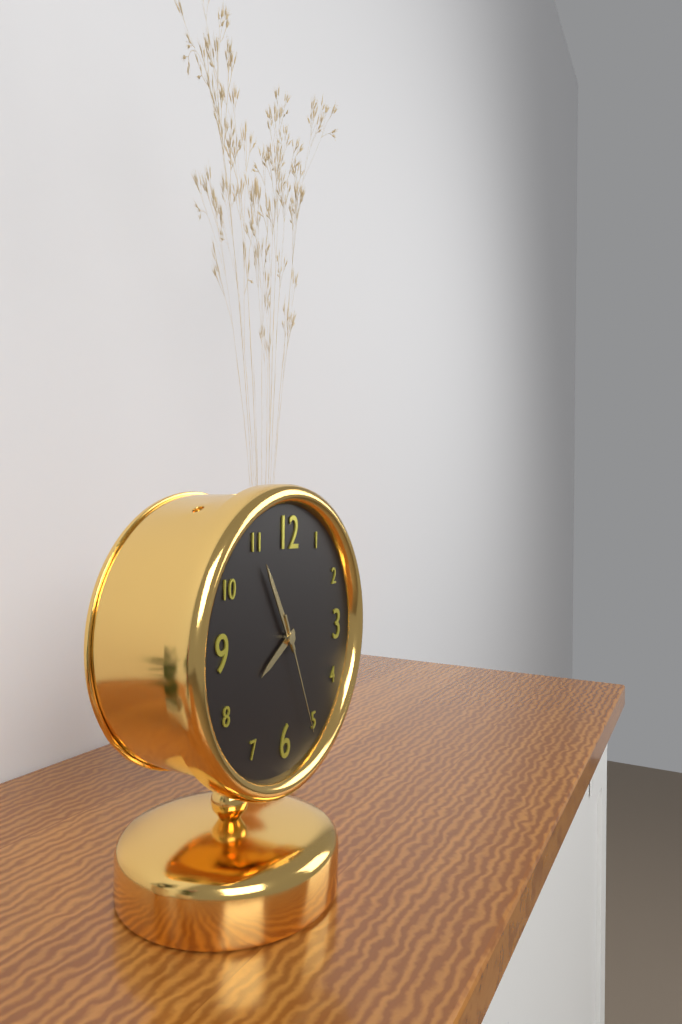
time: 7:55:26
